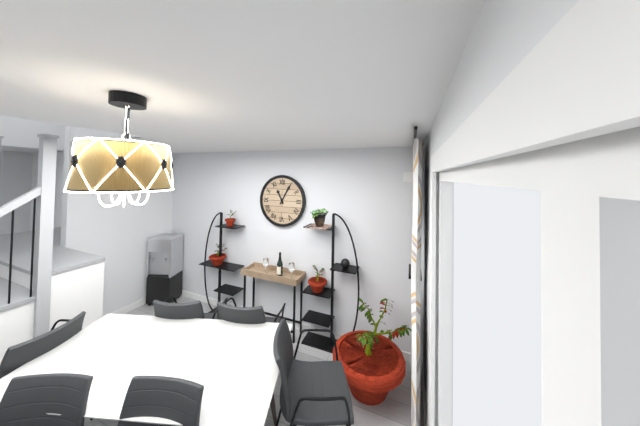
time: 11:05
